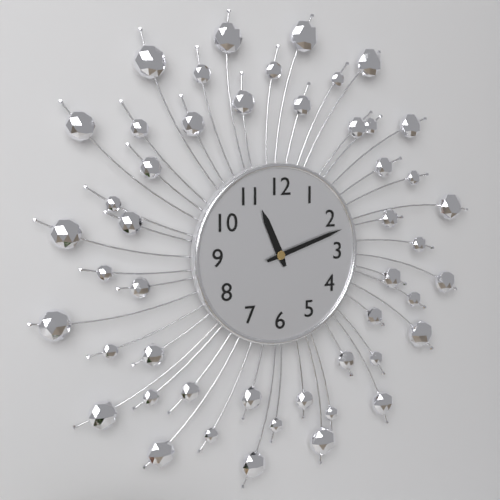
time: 11:12
